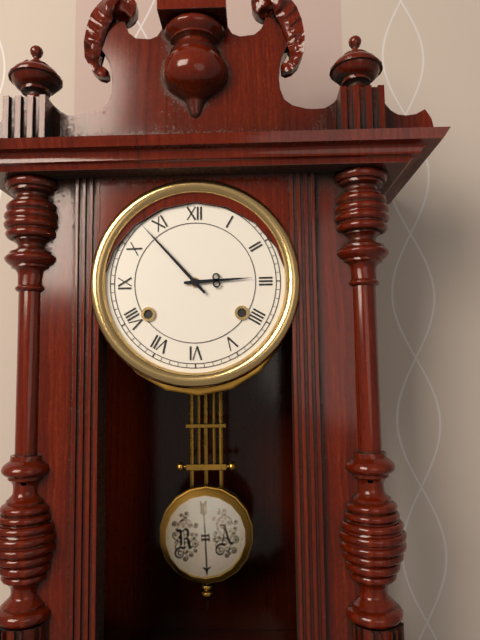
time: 2:53
